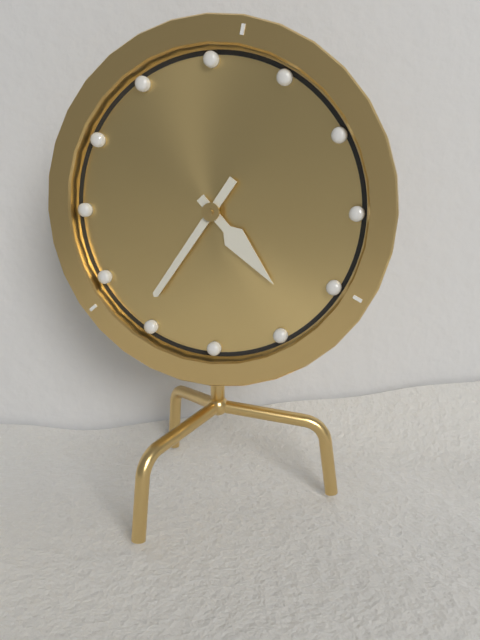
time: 4:36
